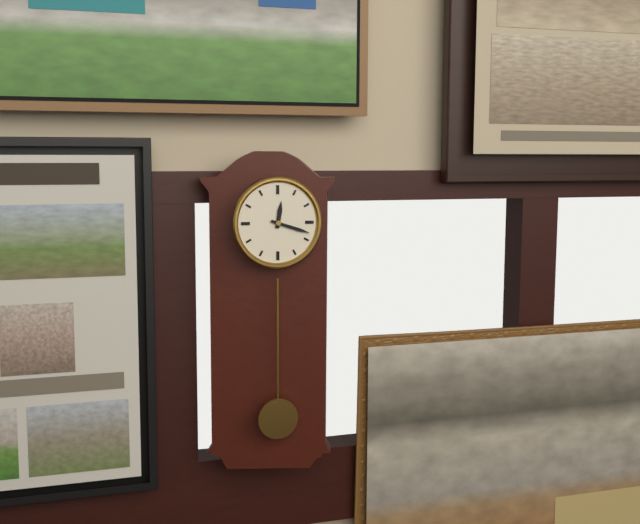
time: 12:18
